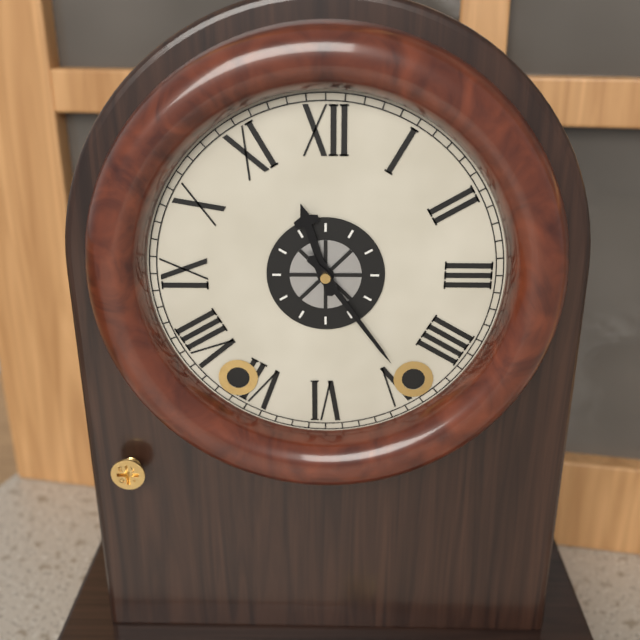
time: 11:24
